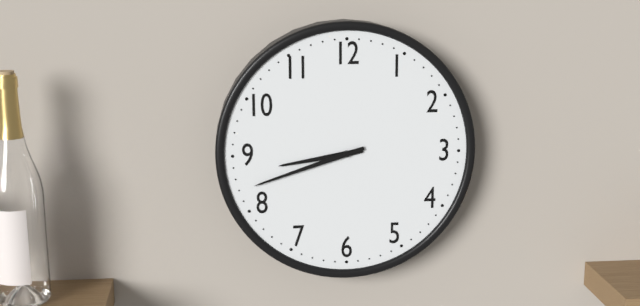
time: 8:42
